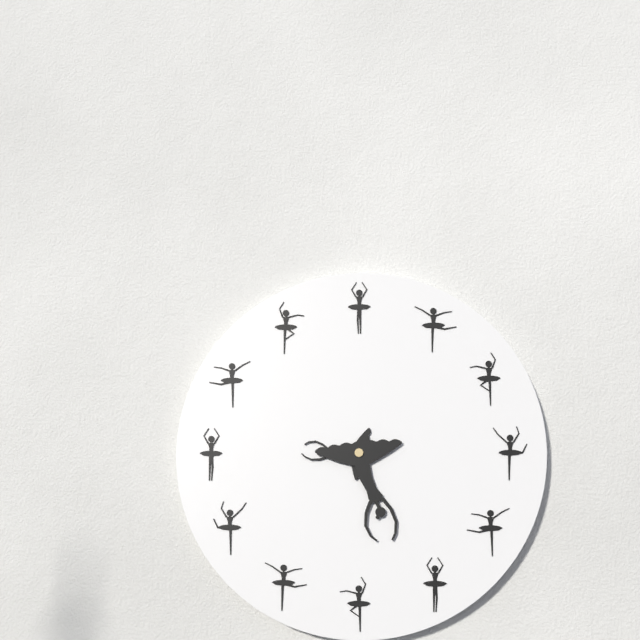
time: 9:29
